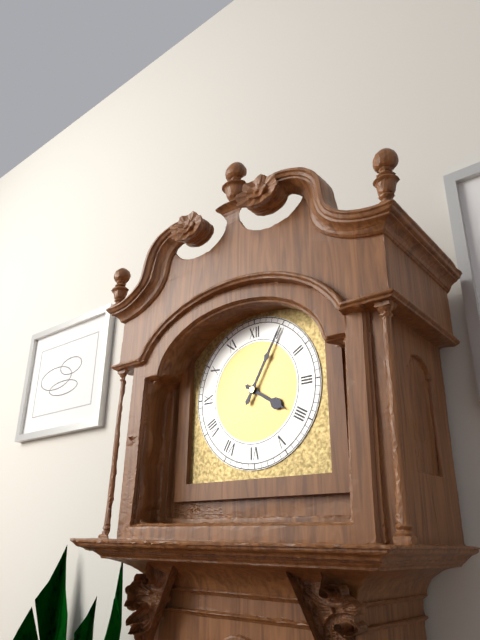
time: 4:05
